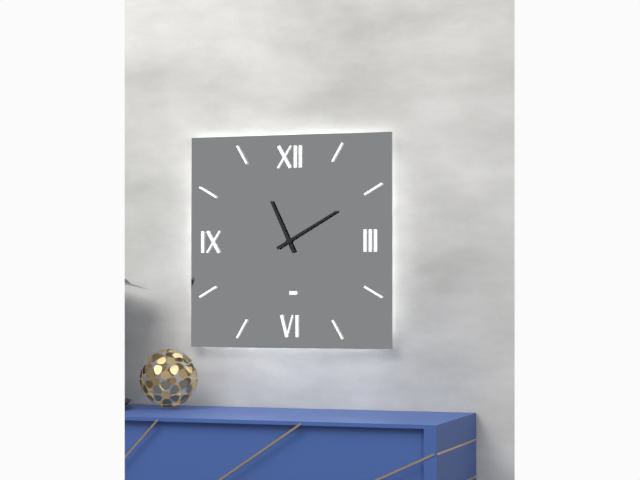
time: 11:10
